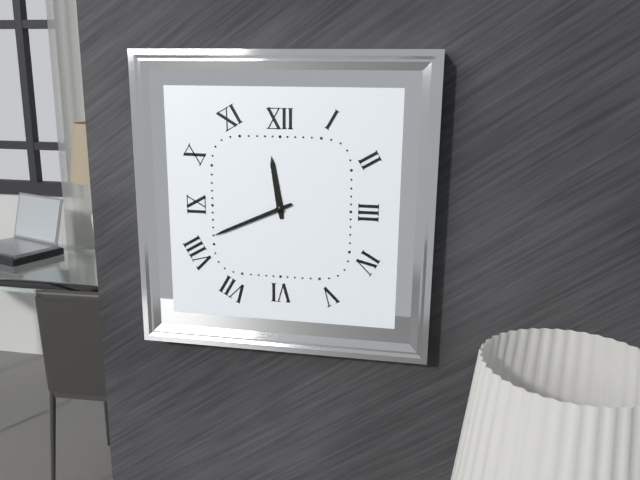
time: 11:41
